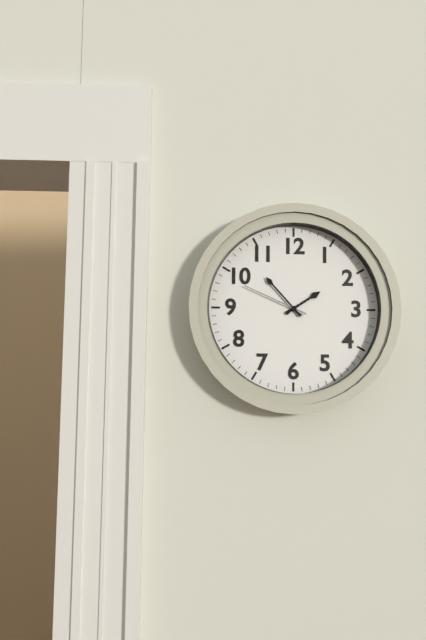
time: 1:53:49
